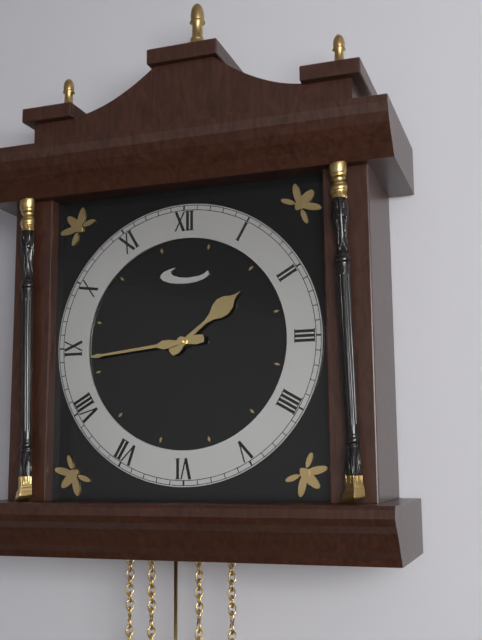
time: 1:44
